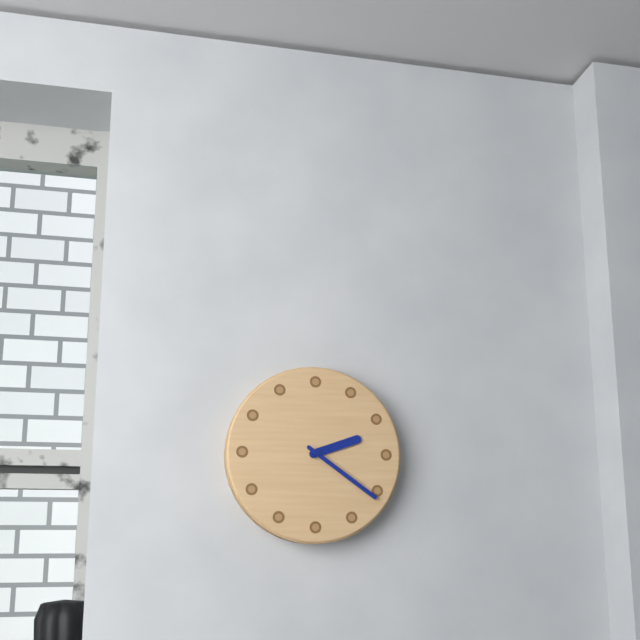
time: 2:21
